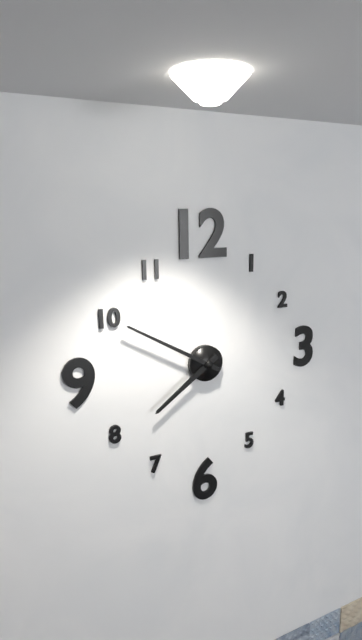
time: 7:50
